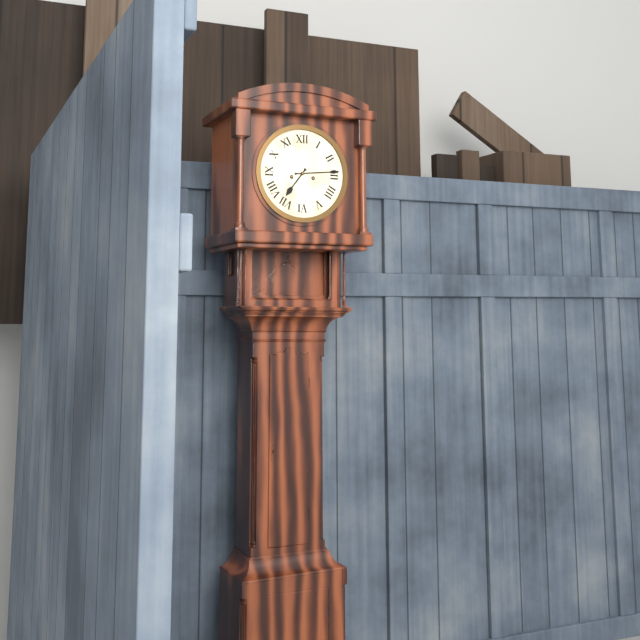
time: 7:14
